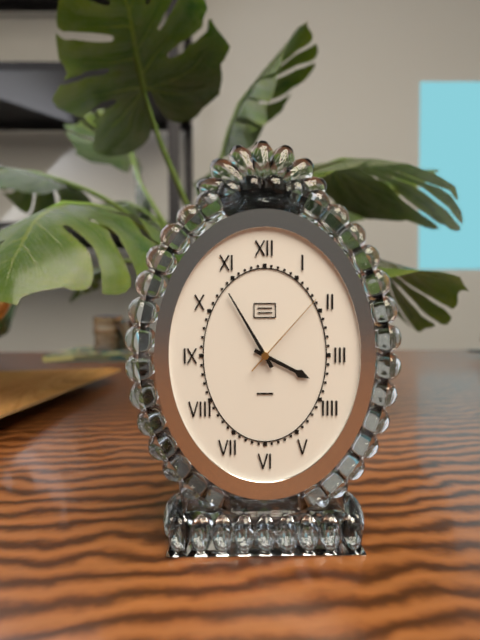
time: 3:55:07
